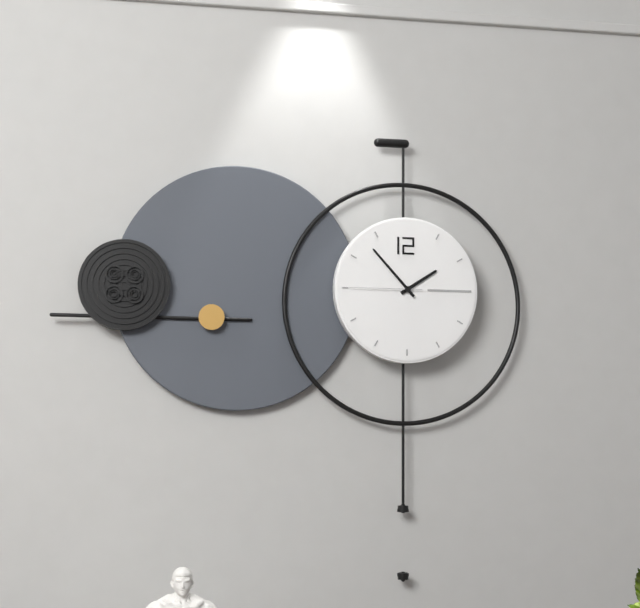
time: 1:53:45
